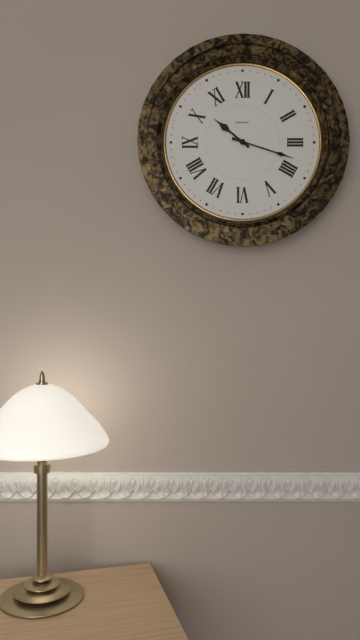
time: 10:18
